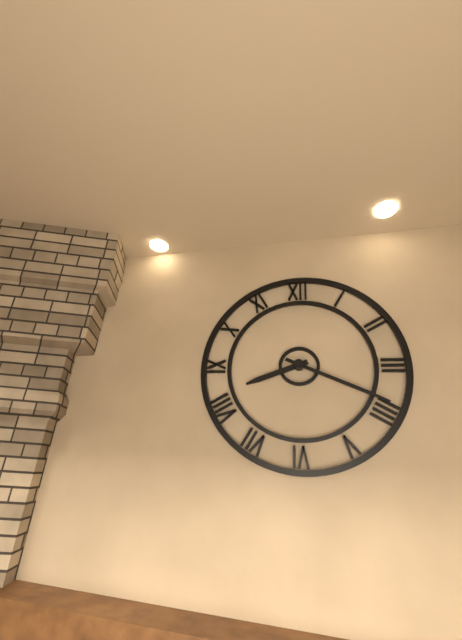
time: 8:19
